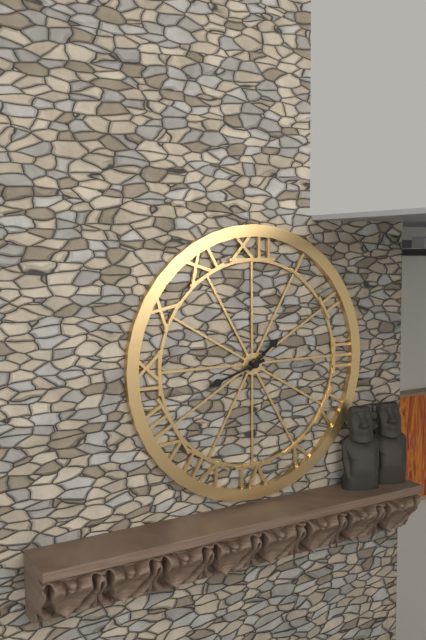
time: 1:42
